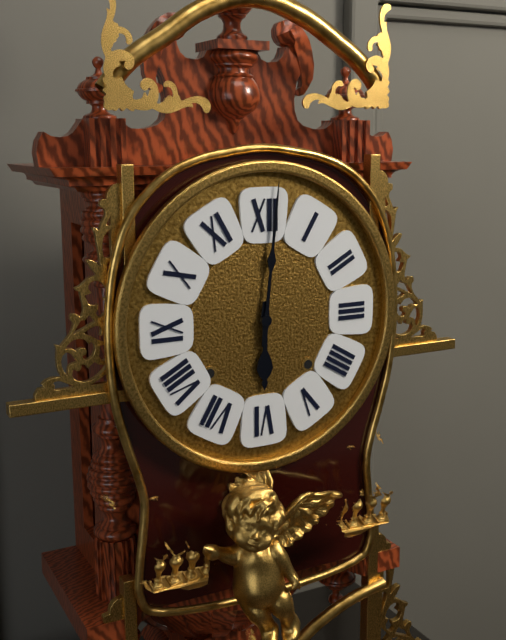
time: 6:01
